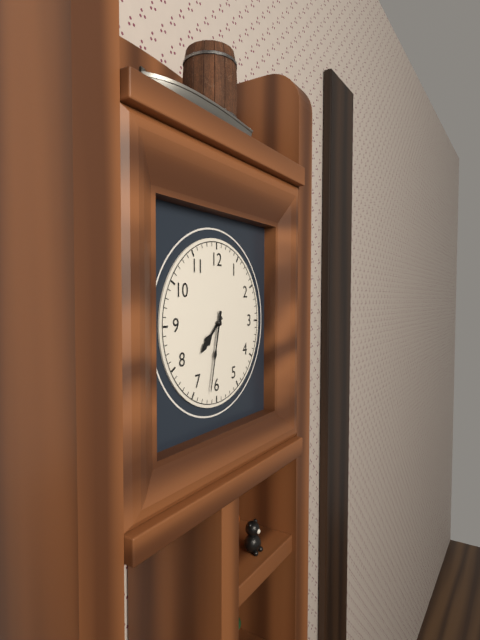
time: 7:32
